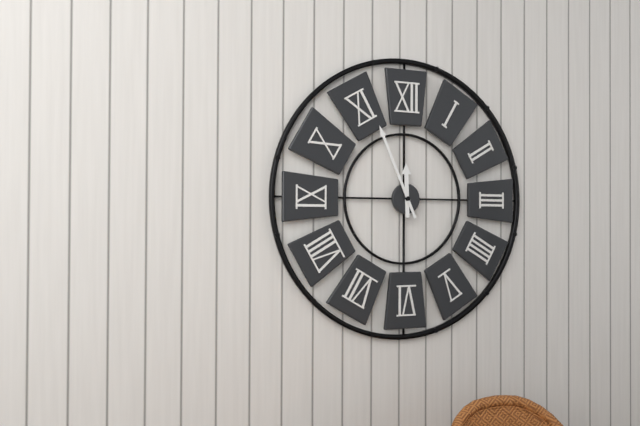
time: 11:56
